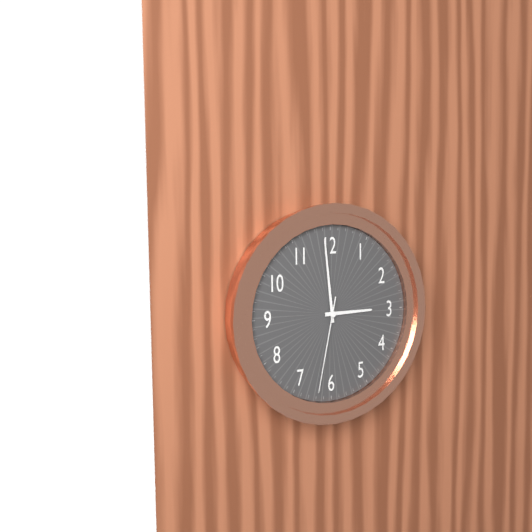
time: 2:59:32
